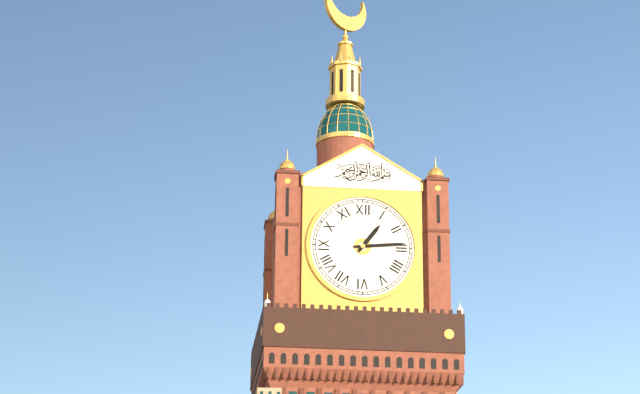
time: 1:14
